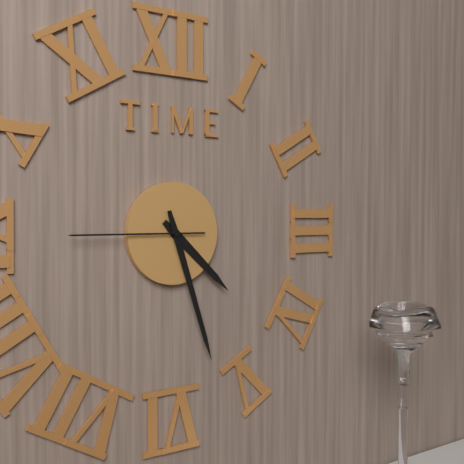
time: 4:27:45
